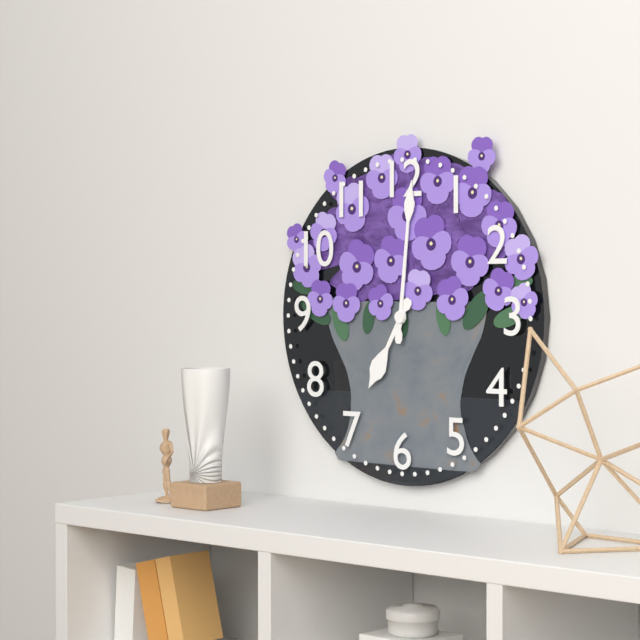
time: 7:01
